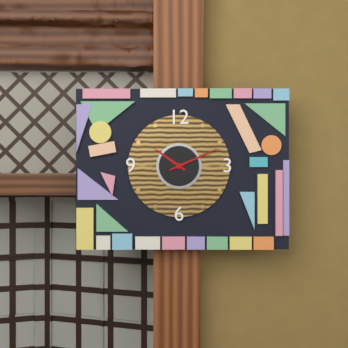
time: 10:11
